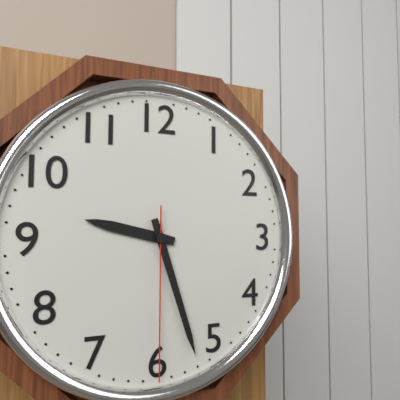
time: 9:27:30
